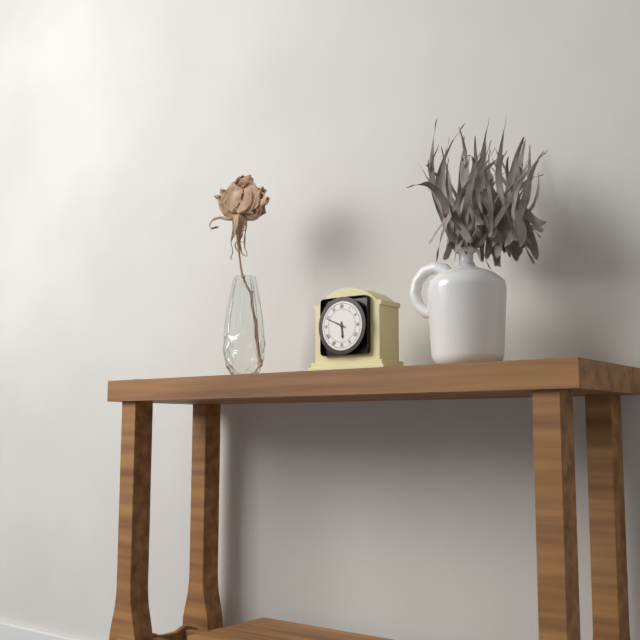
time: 5:49
